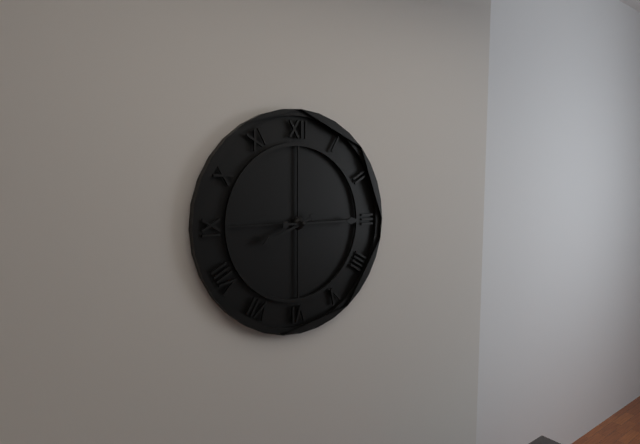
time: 8:15
